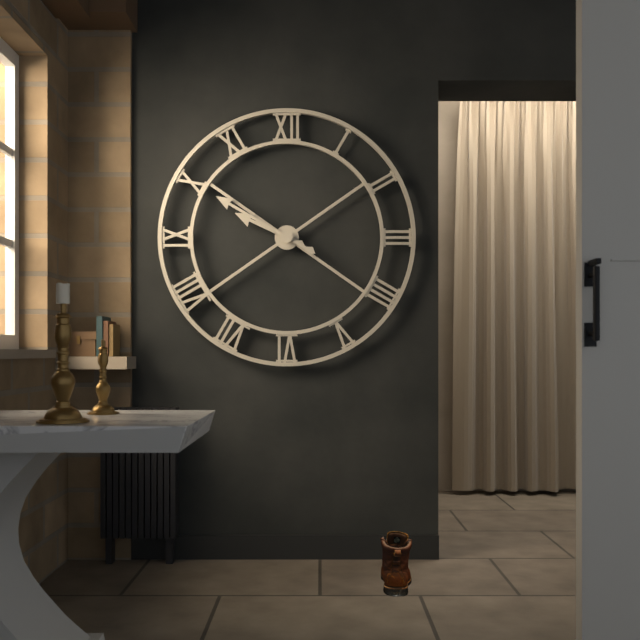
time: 9:50
